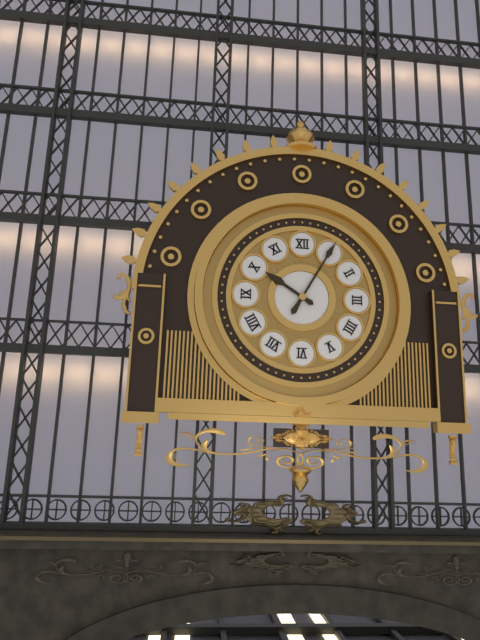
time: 10:05
